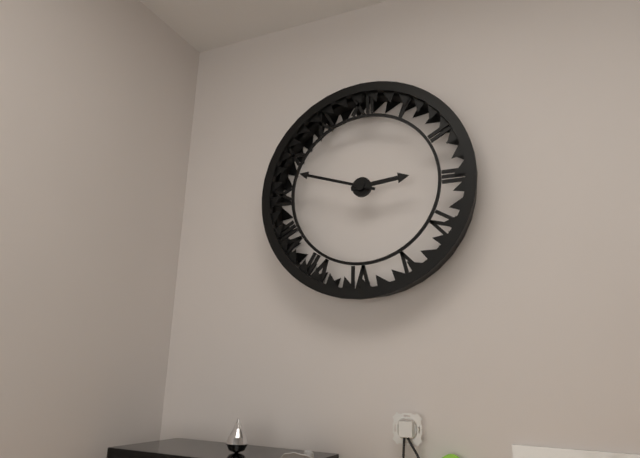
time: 2:48
